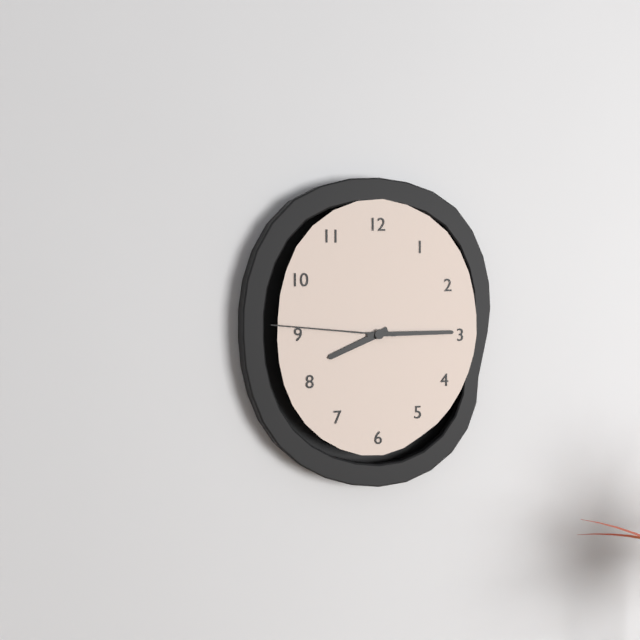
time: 8:15:46
